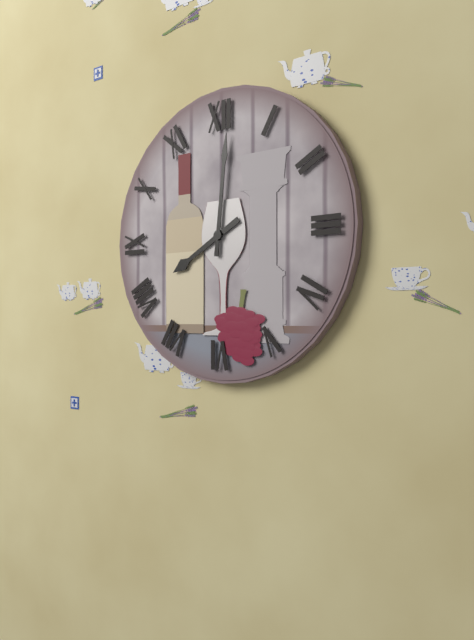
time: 8:01
